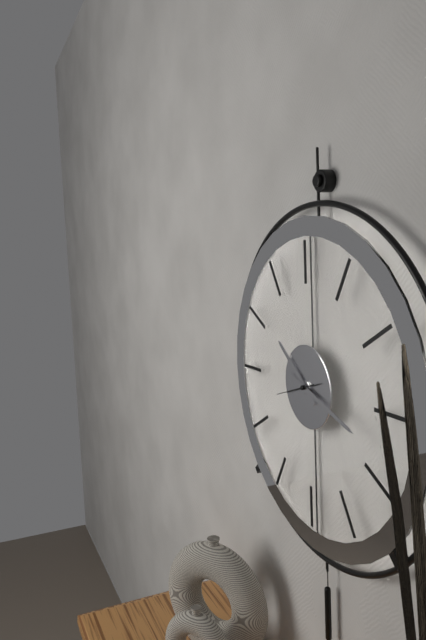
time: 10:18:42
